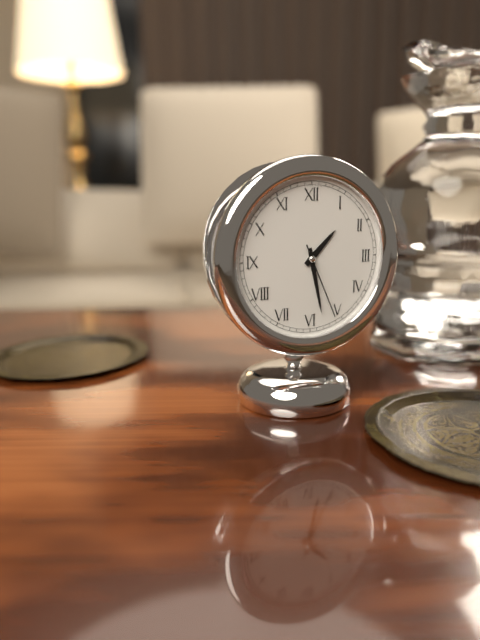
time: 1:28:26
